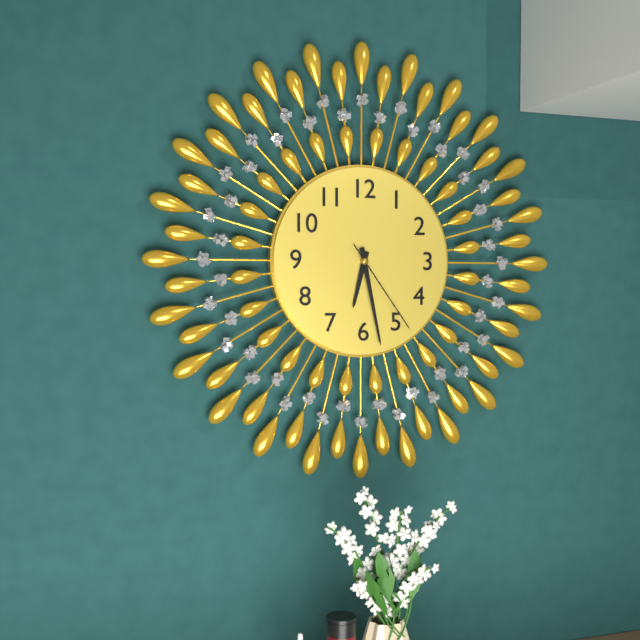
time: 6:28:24
